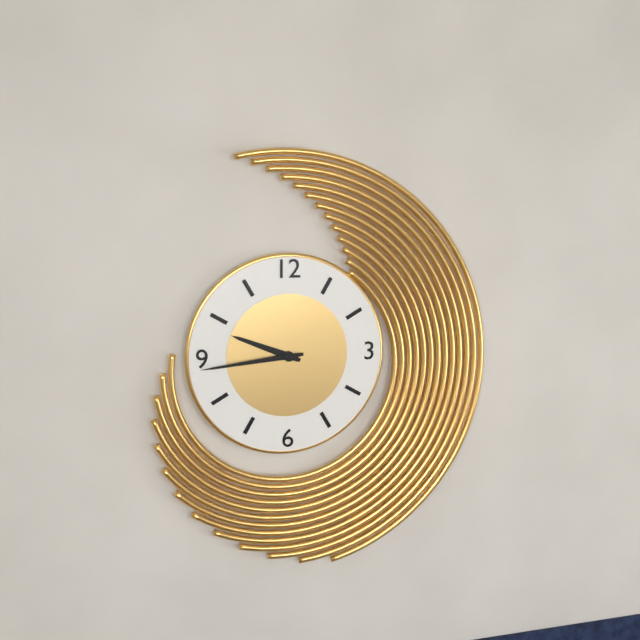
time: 9:44
